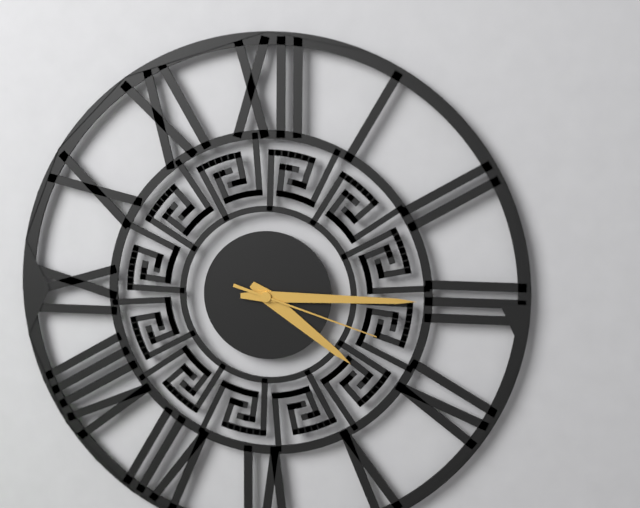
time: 4:15:18
